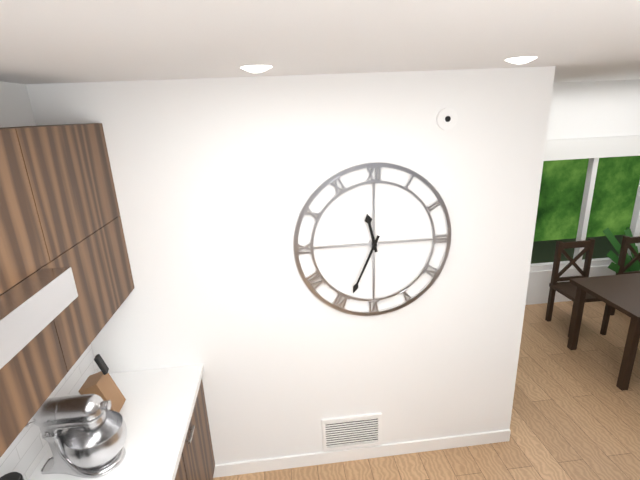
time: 11:34
